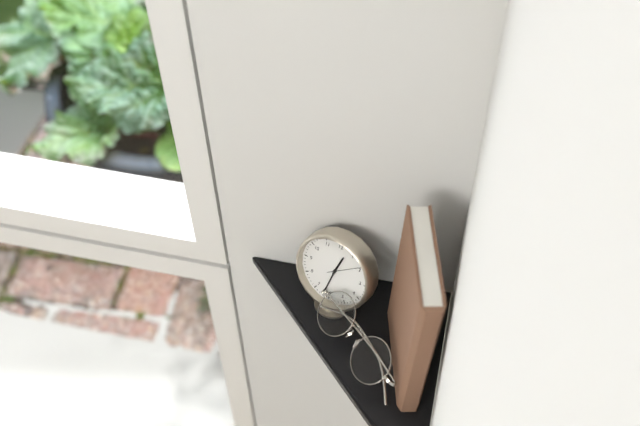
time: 12:32
